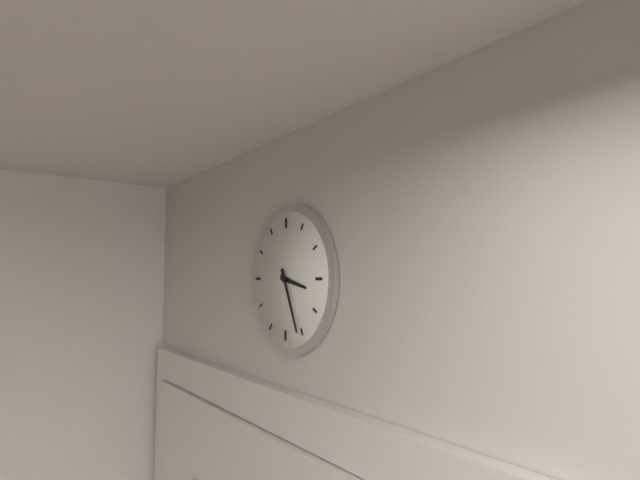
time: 3:26
